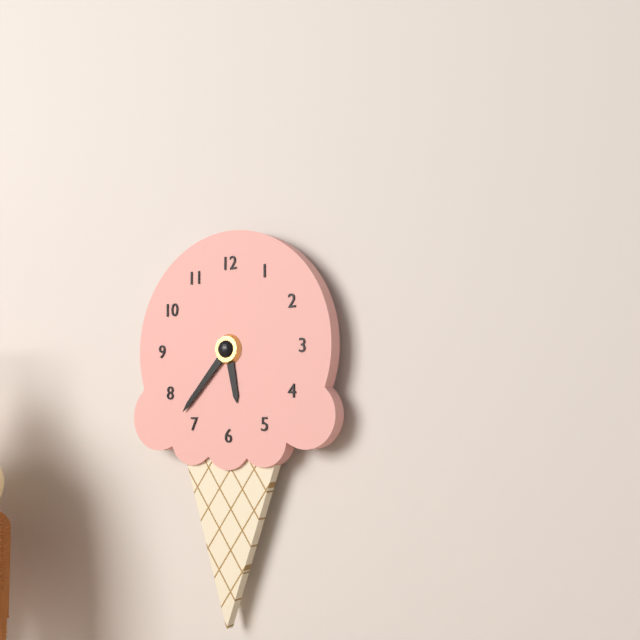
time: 5:37
